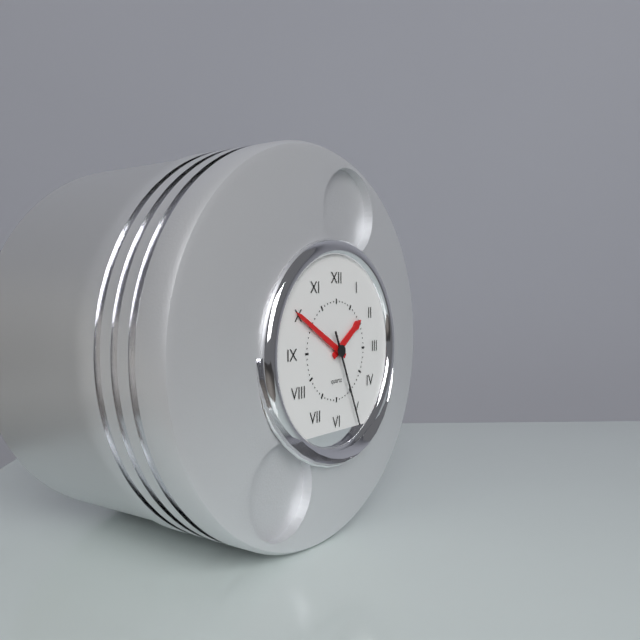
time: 1:50:26
